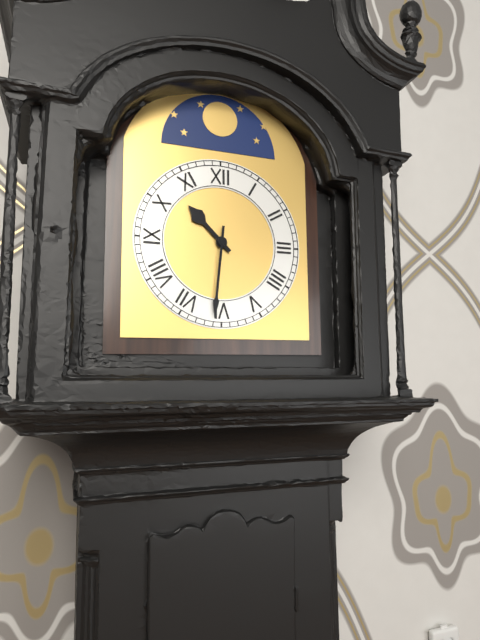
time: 10:31
